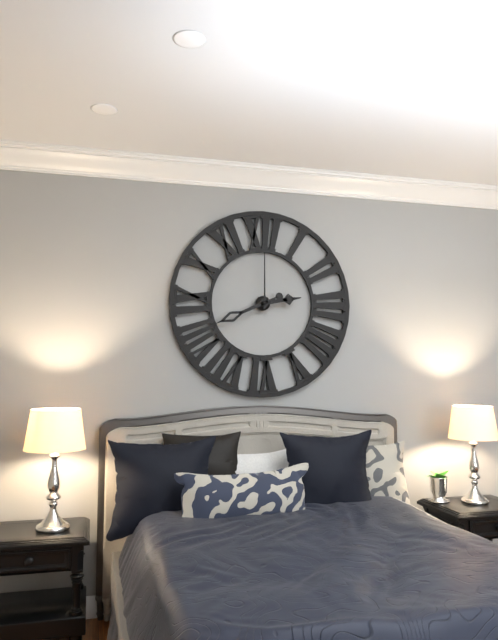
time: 2:41:00
